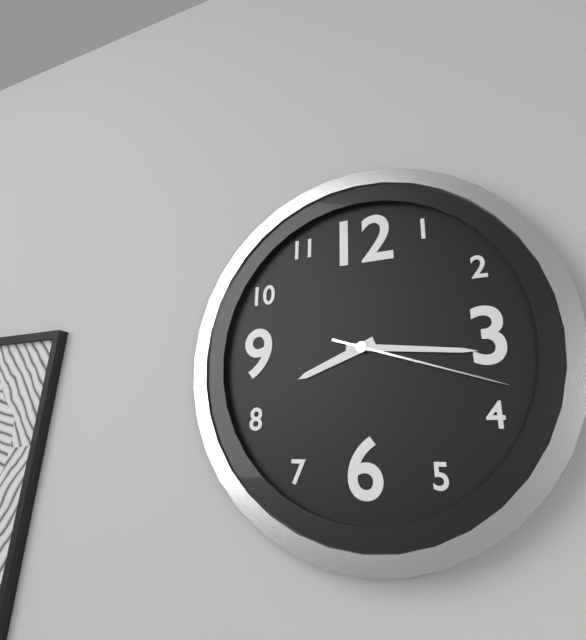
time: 8:16:18
